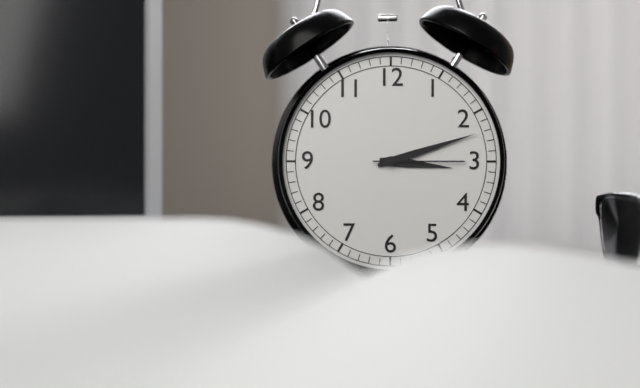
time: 3:12:15
